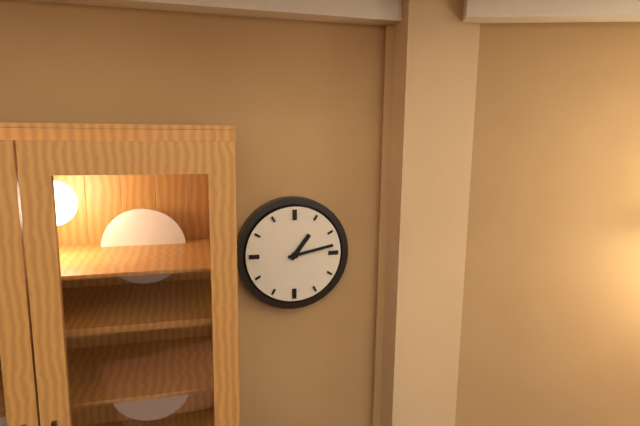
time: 1:13
